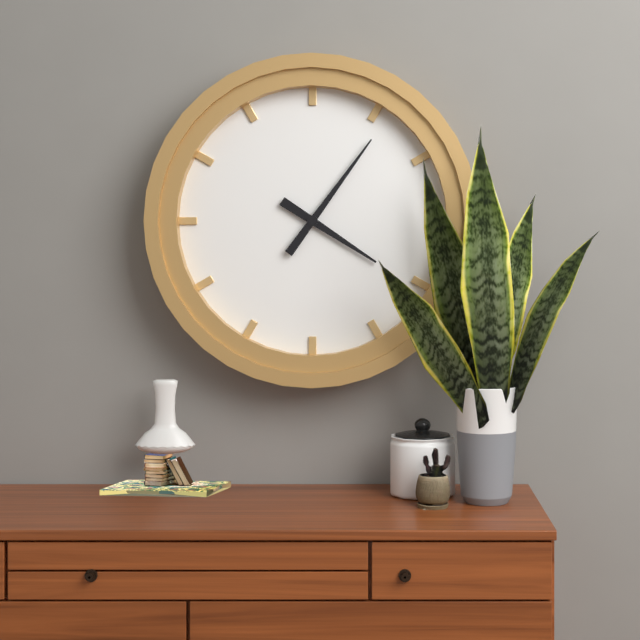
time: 4:06
